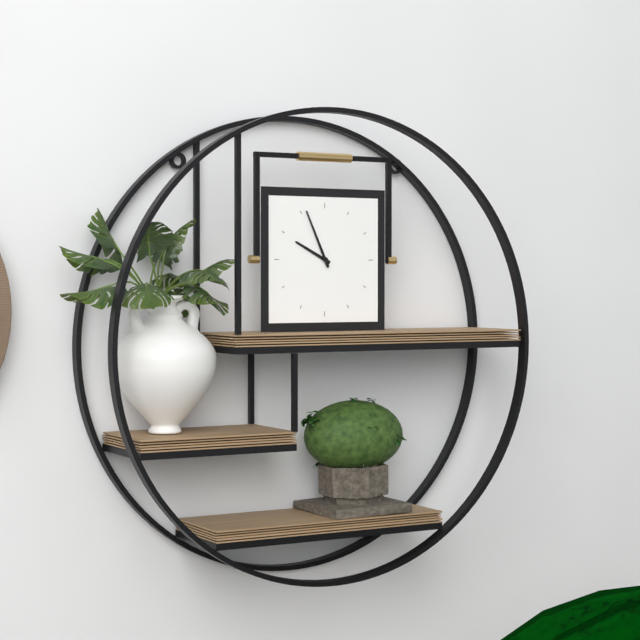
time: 9:56
